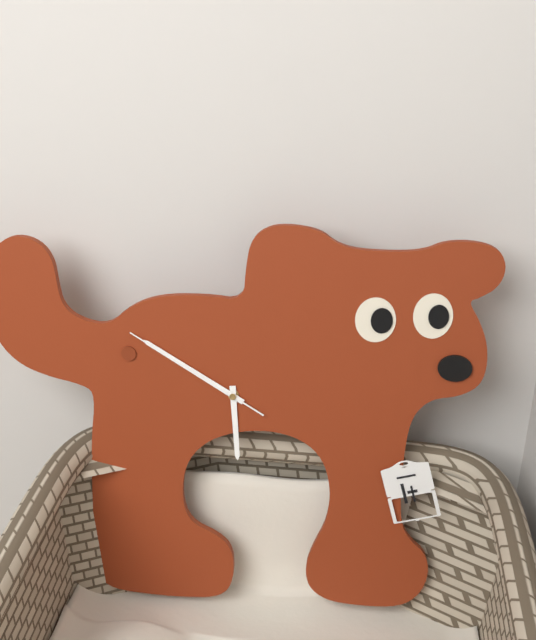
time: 5:50:50
